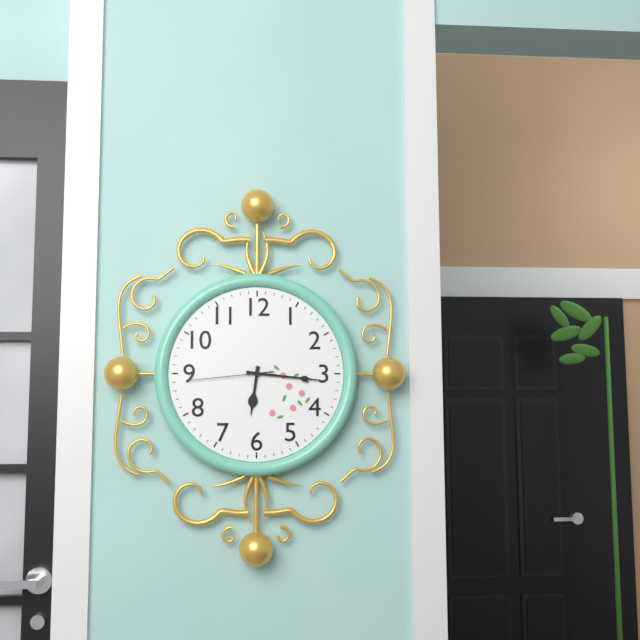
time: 6:16:44
